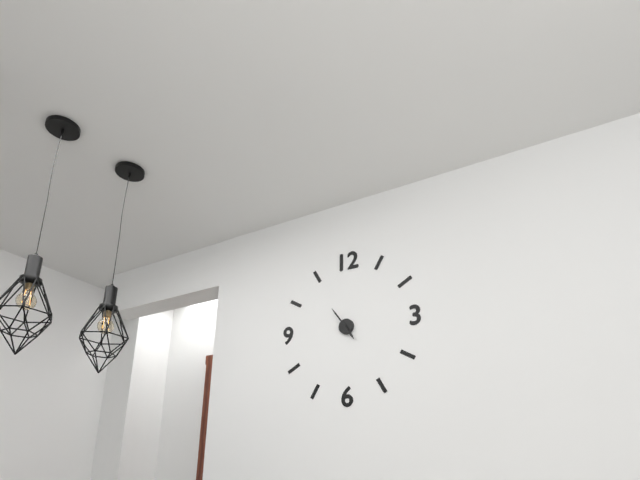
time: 4:54
